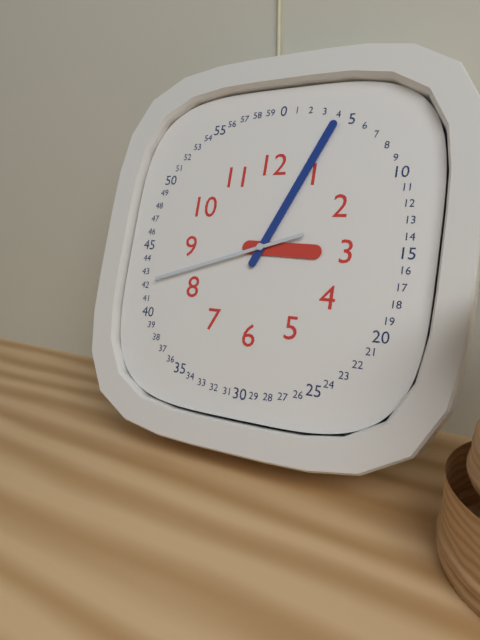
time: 3:04:42
